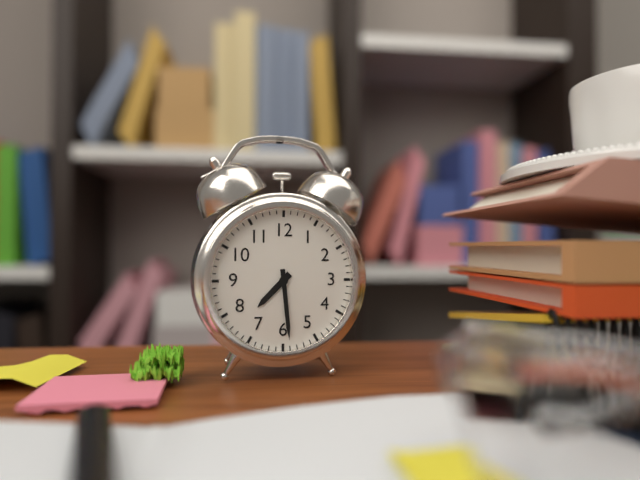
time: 7:29
